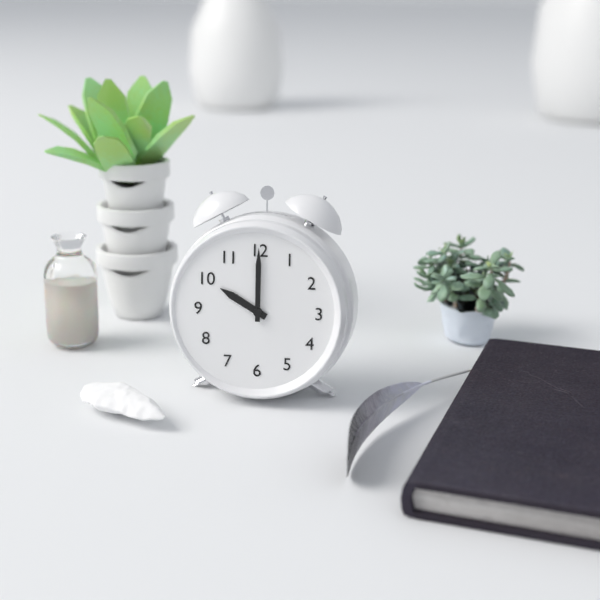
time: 10:00
